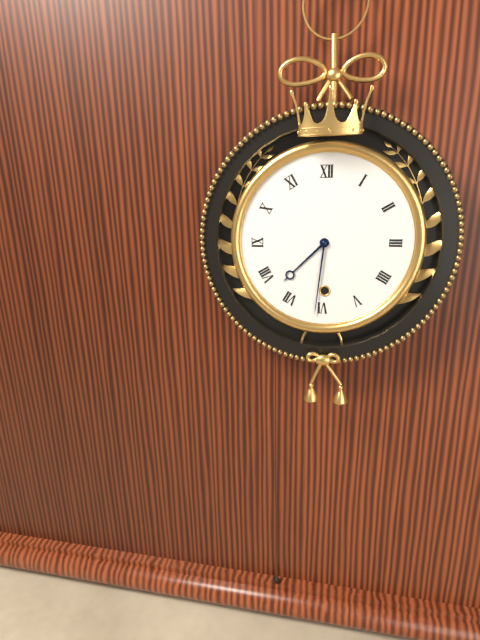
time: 7:31
